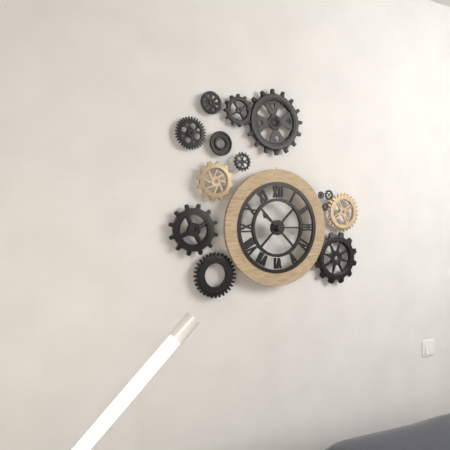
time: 10:15
